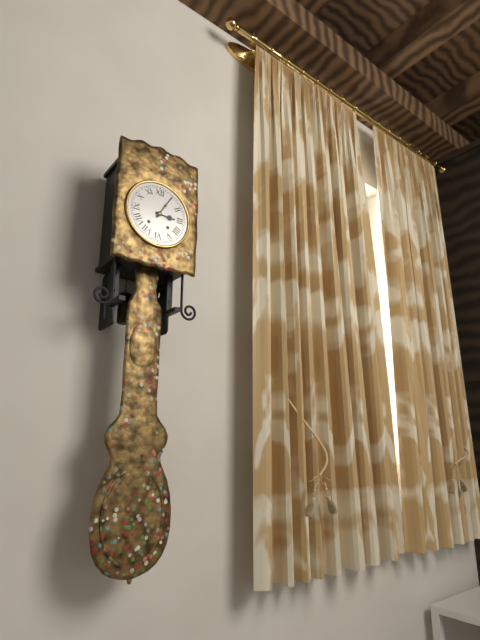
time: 3:05
